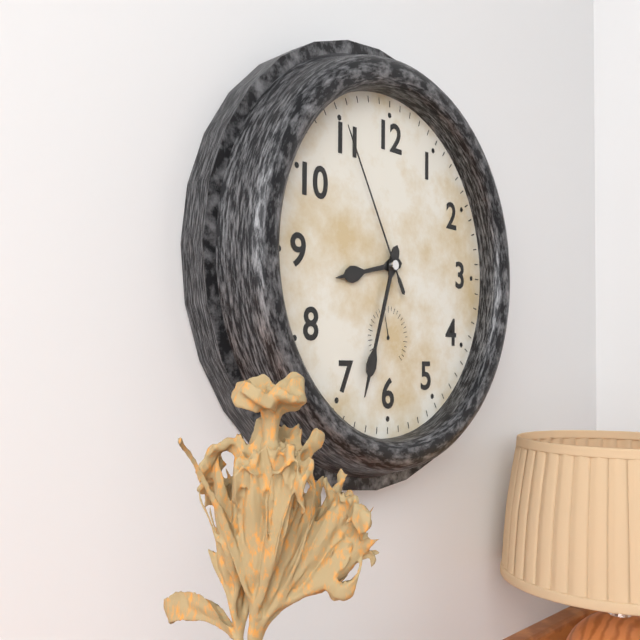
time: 8:33:55
